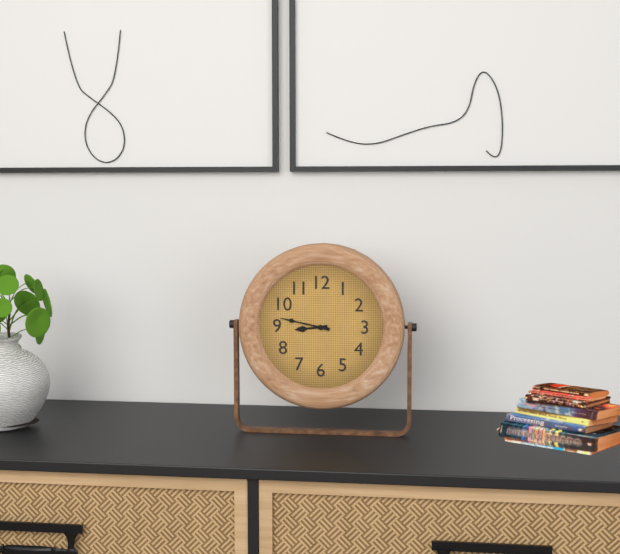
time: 8:47
